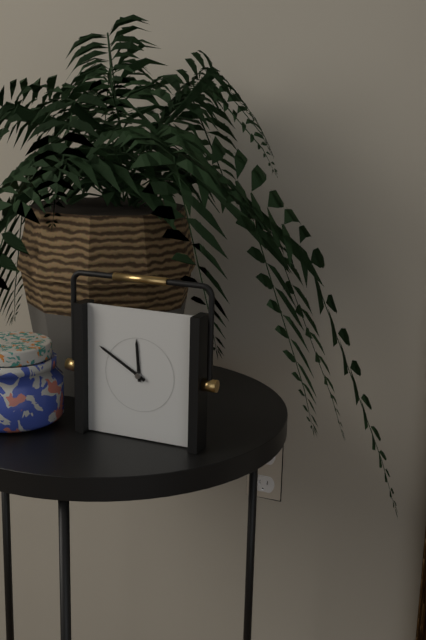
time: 11:50
